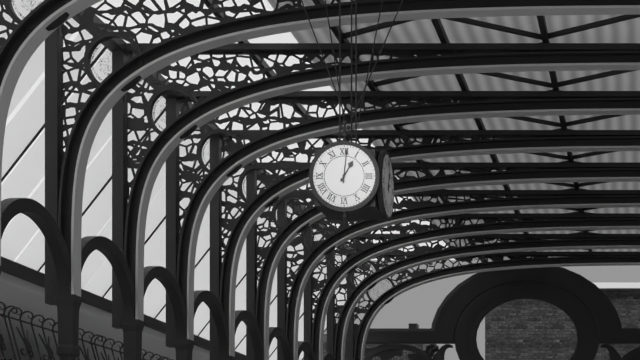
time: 1:01
